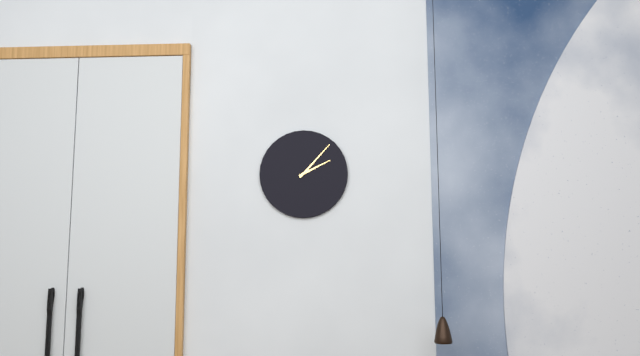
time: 2:07
